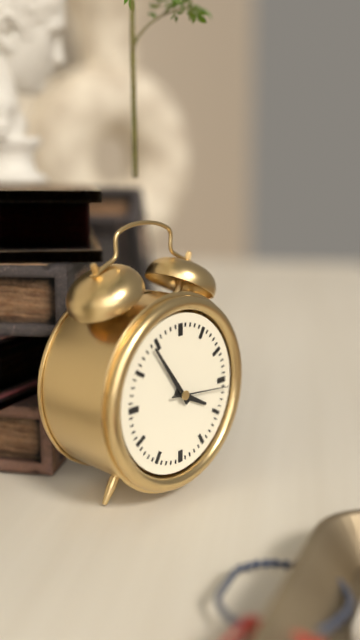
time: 3:54:16
